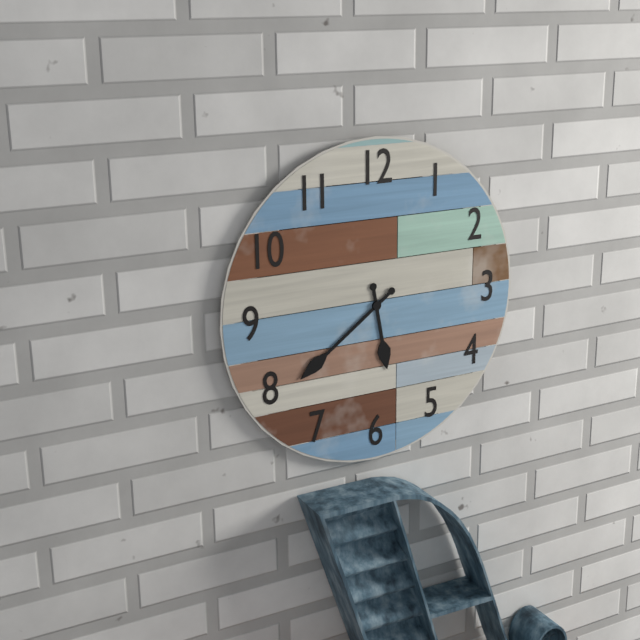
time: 5:39
